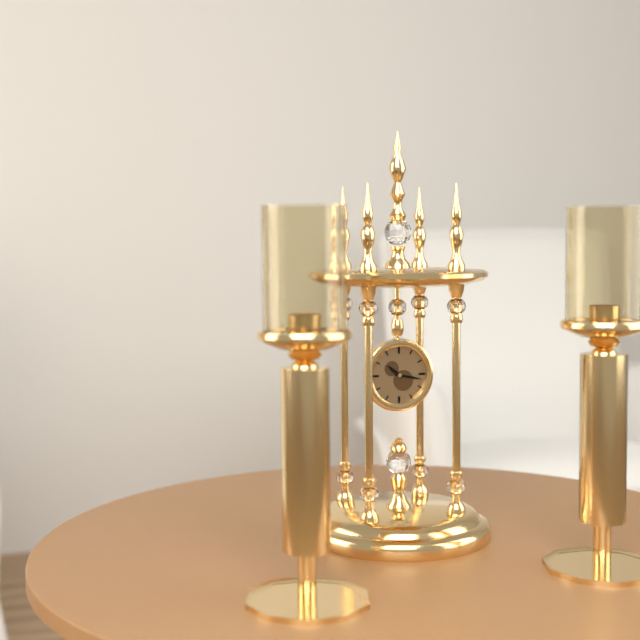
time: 10:17
